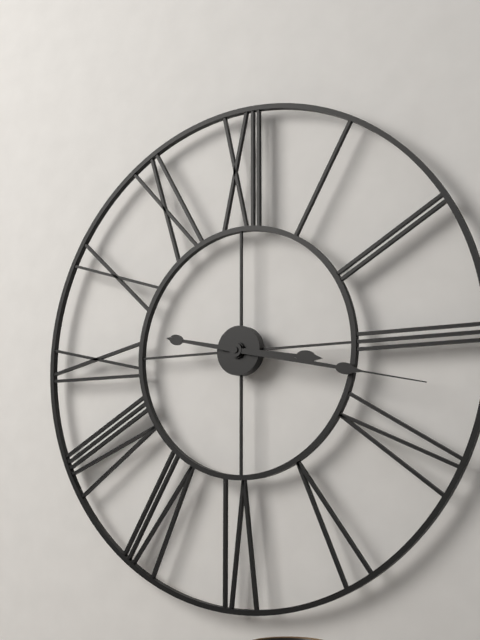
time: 3:17
